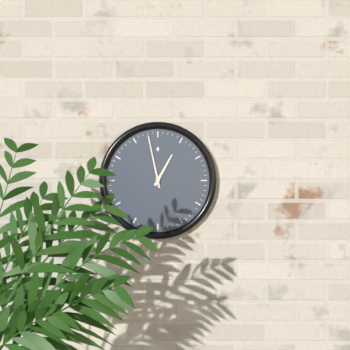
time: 12:58
